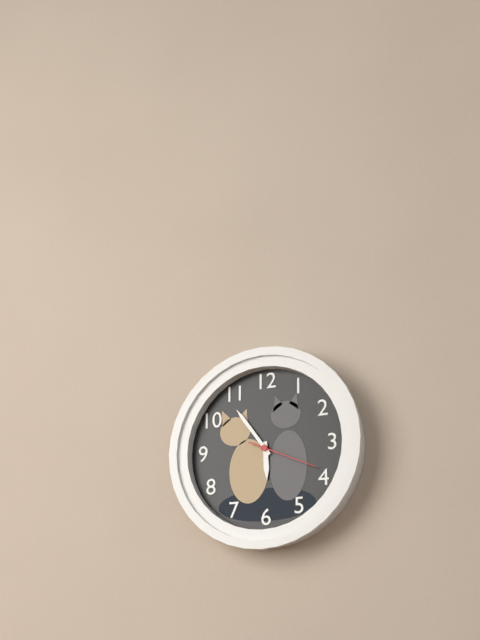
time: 5:54:19
